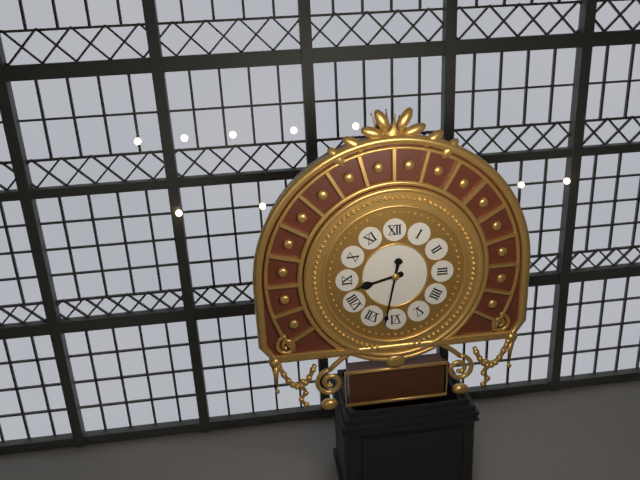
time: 8:32
